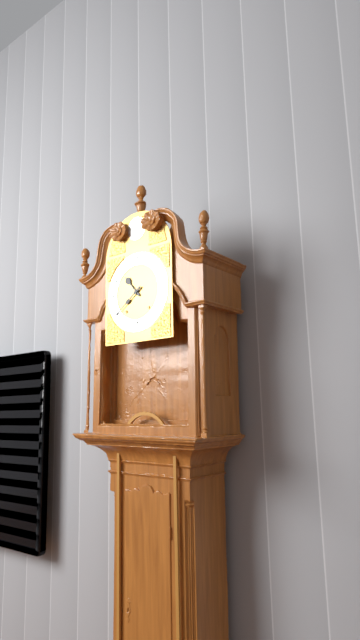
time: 10:39
